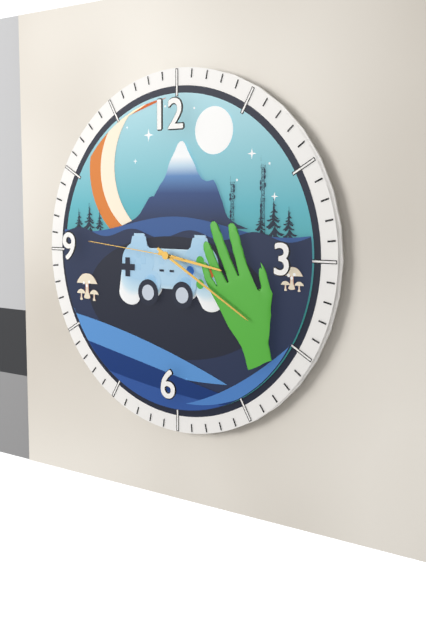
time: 3:20:46
